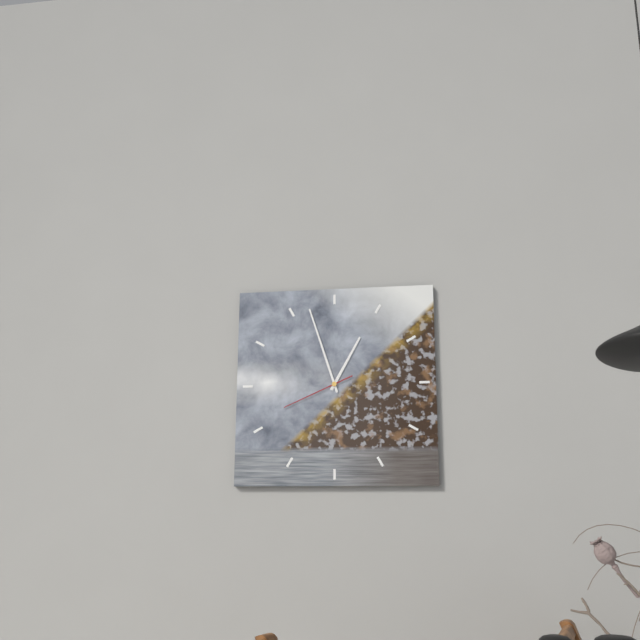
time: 12:57:41
